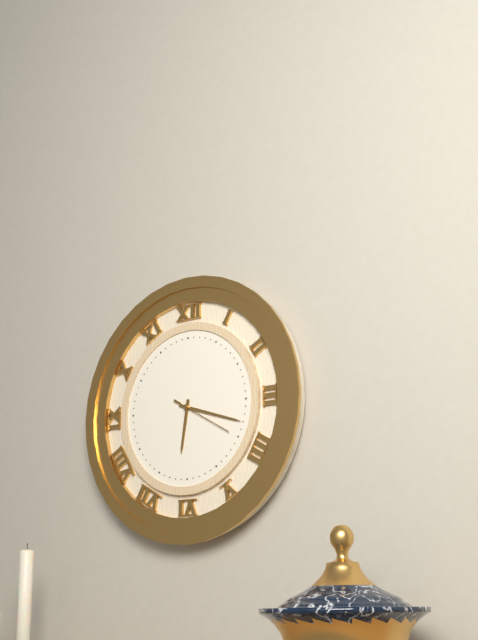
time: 6:18
